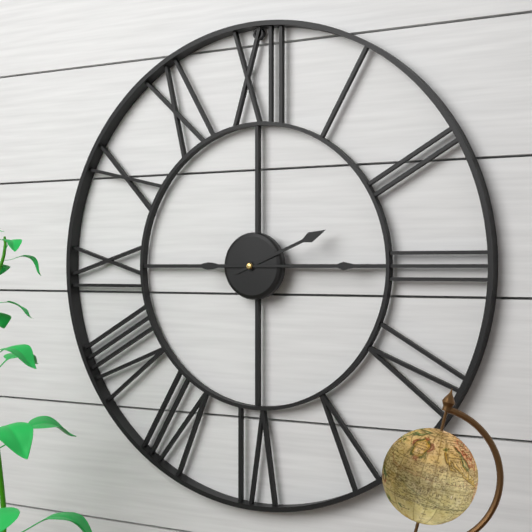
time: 2:15
